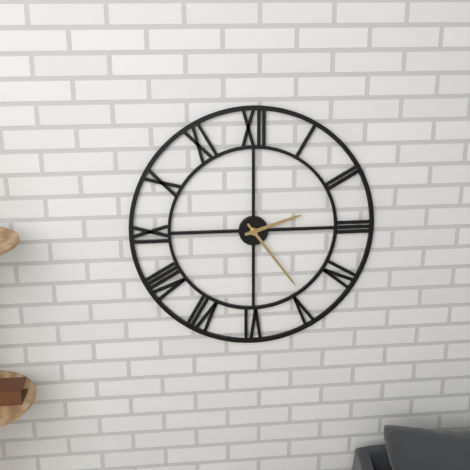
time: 2:24
